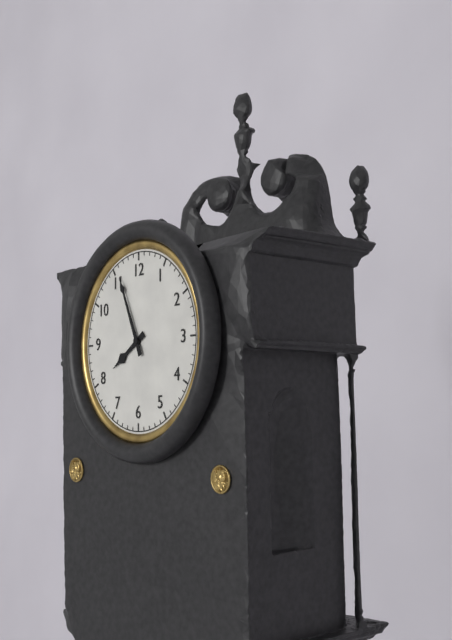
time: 7:56
